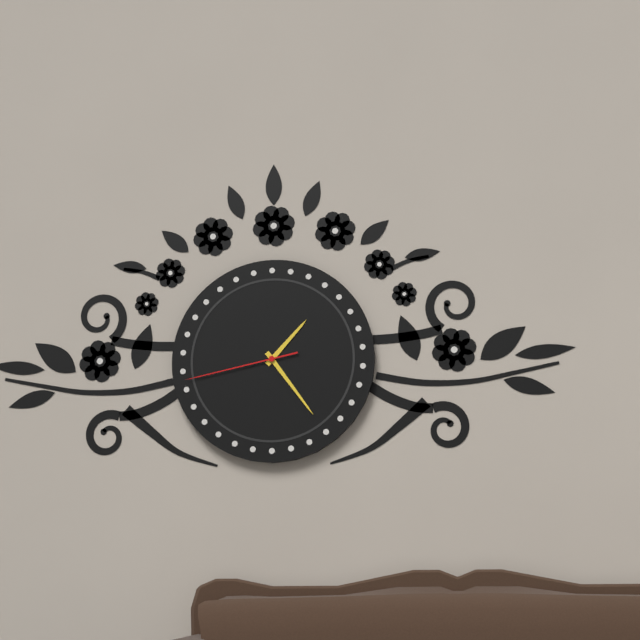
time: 1:24:43
